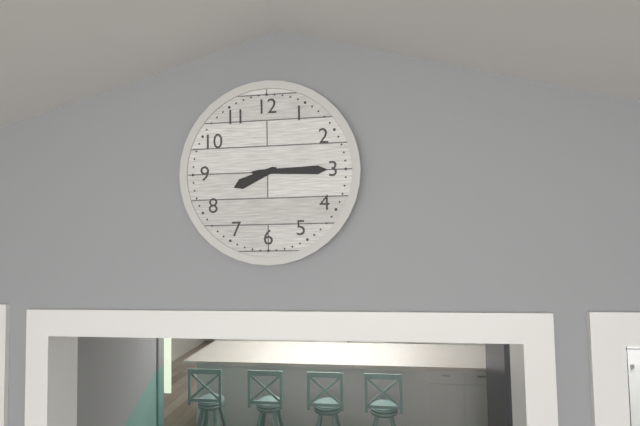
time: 8:15
